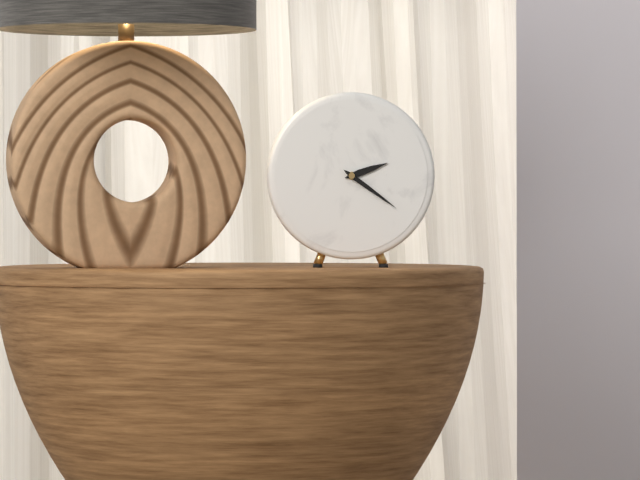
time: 2:21
